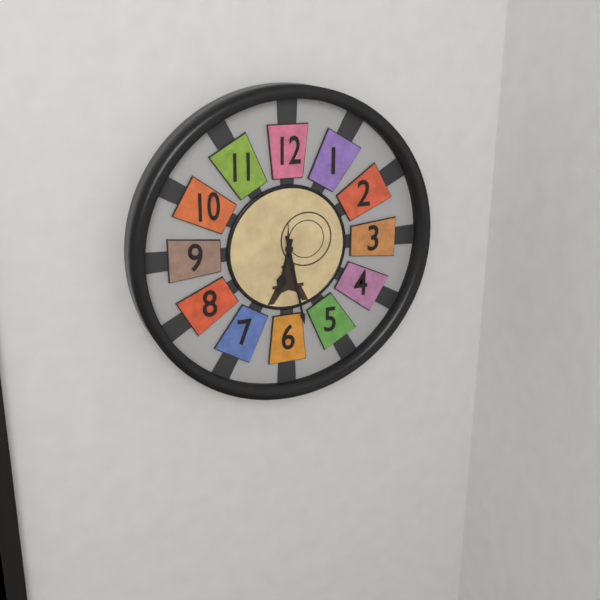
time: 6:28
